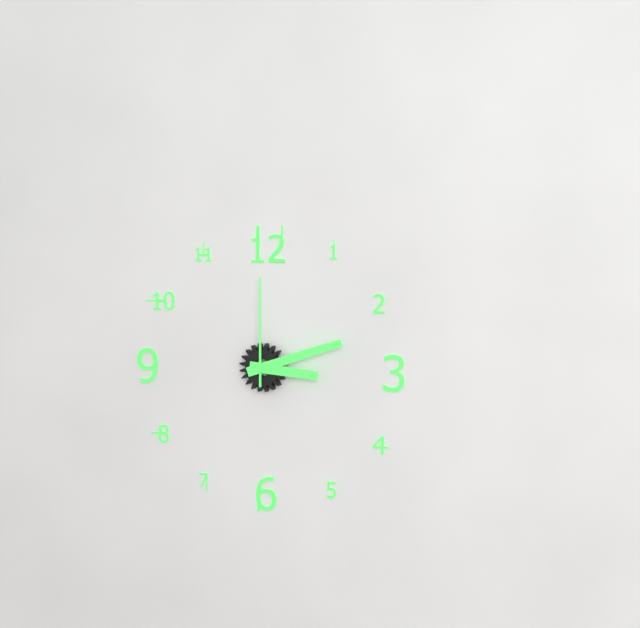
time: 3:12:00
